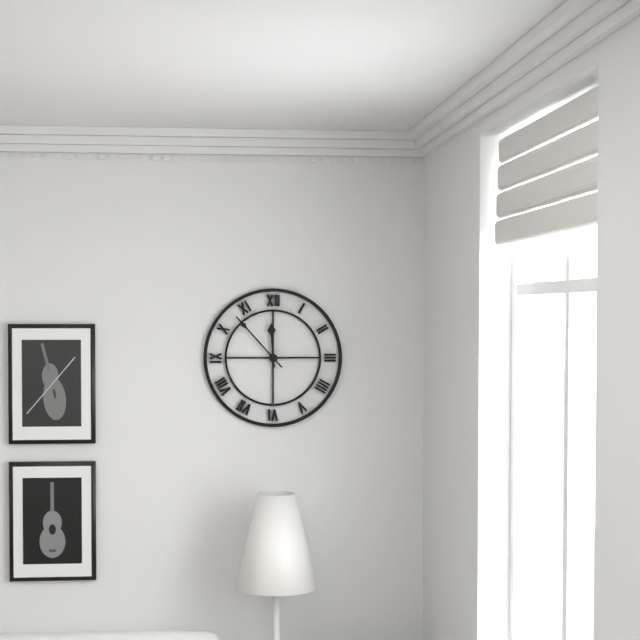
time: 11:53
